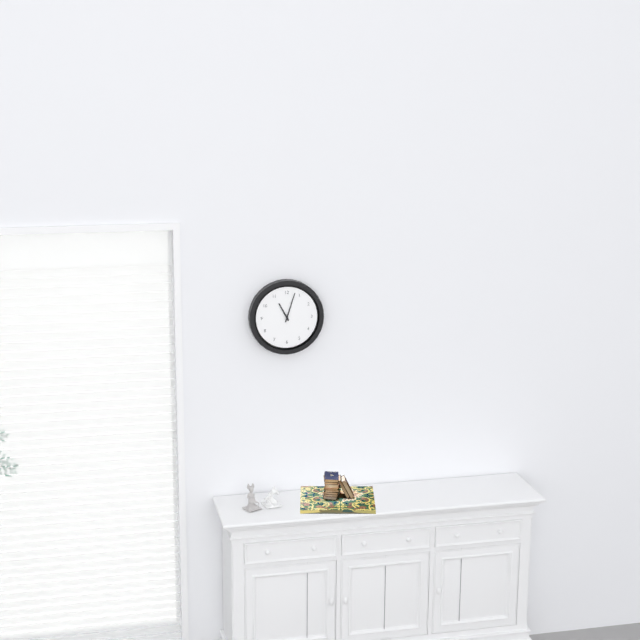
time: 11:03
